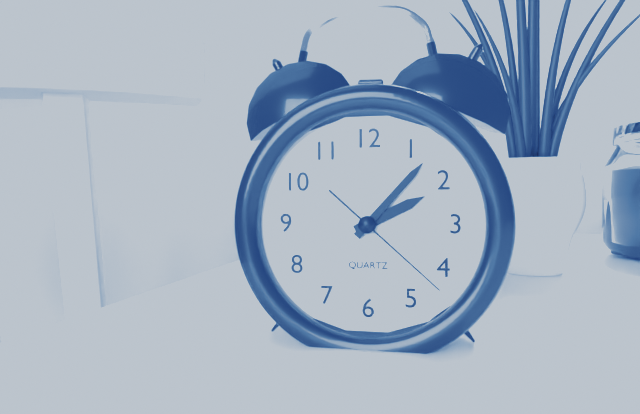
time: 2:07:22
